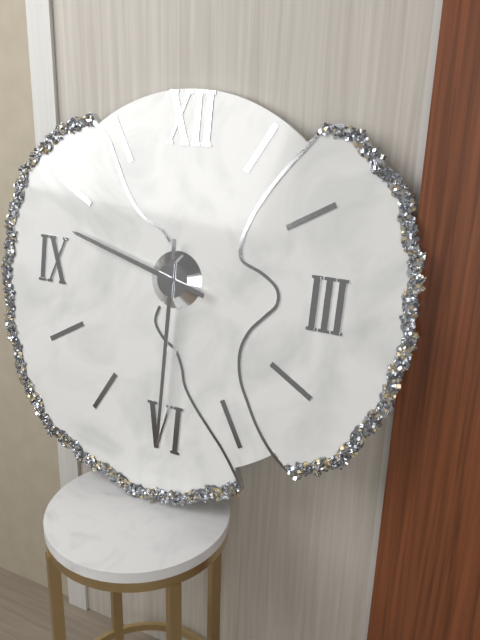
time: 9:30
